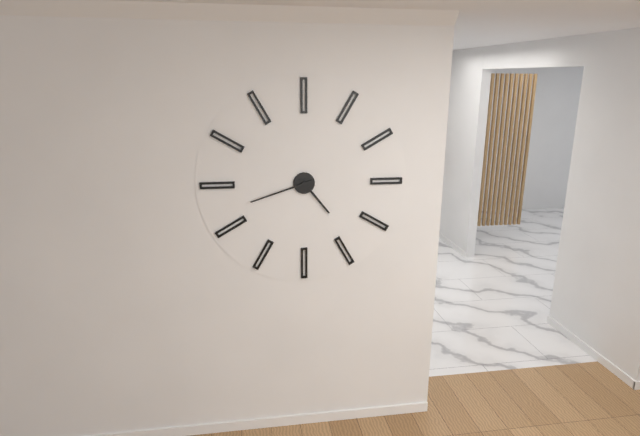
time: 4:42
